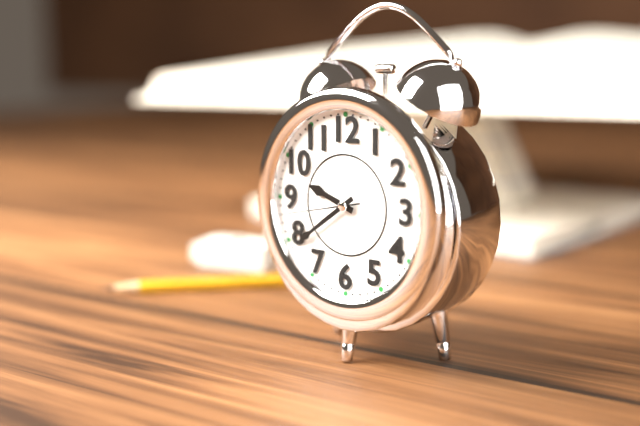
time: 9:39:43
